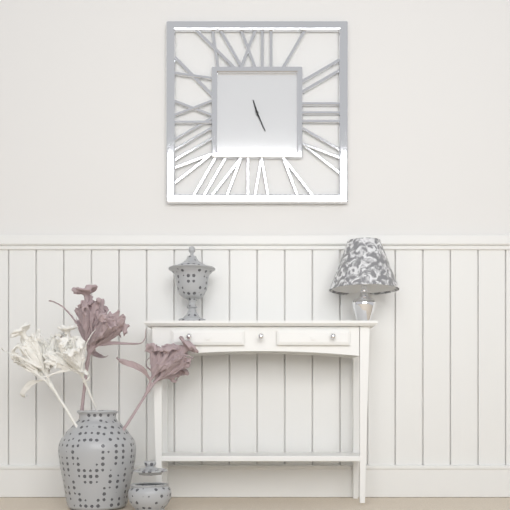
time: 11:26
